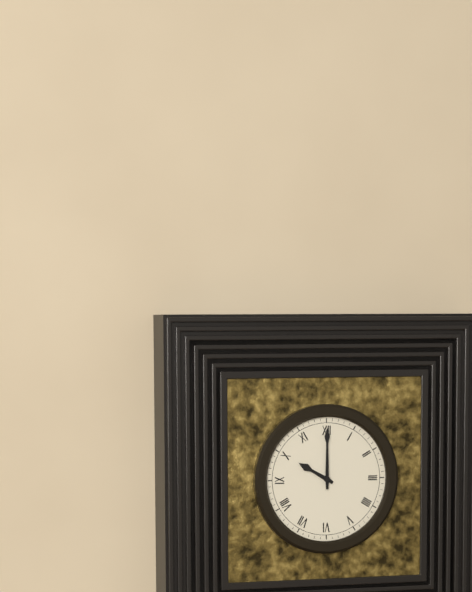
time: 10:00
